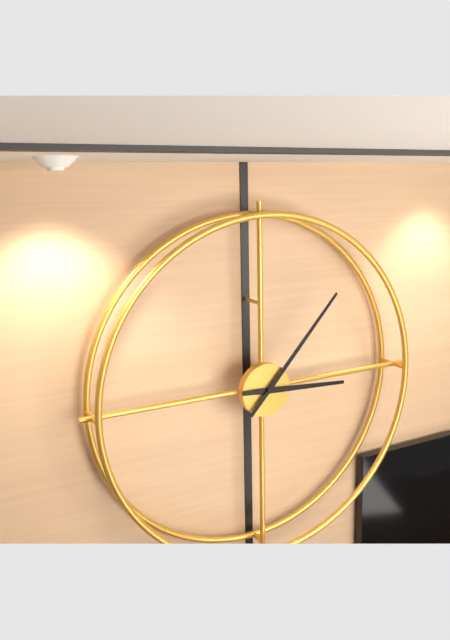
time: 3:07
